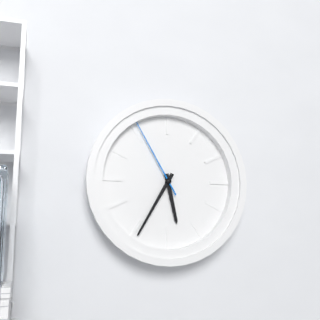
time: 5:35:55
